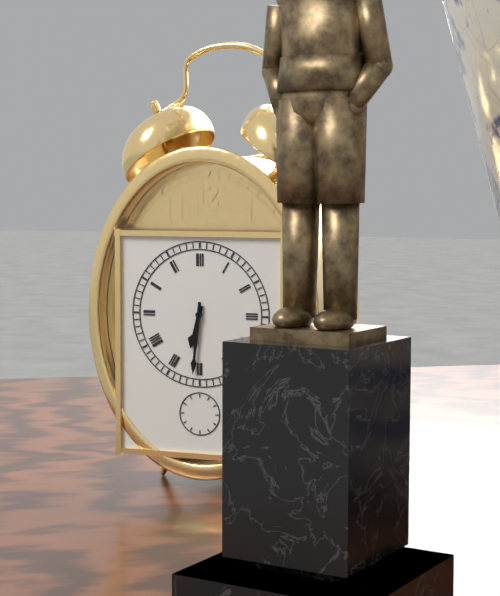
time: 6:31
